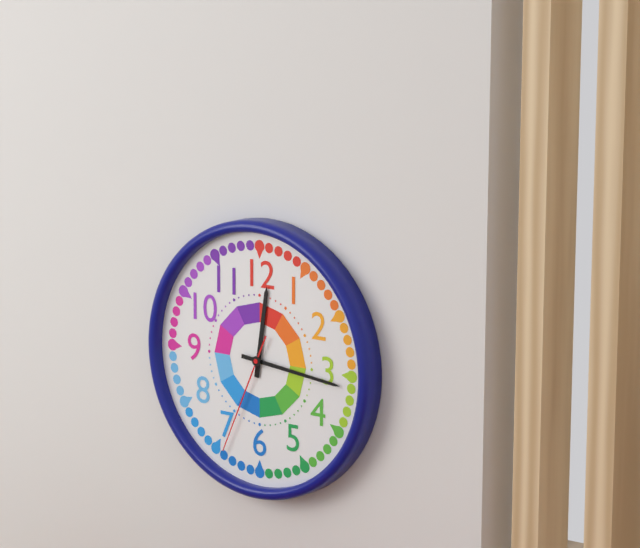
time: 12:16:34
